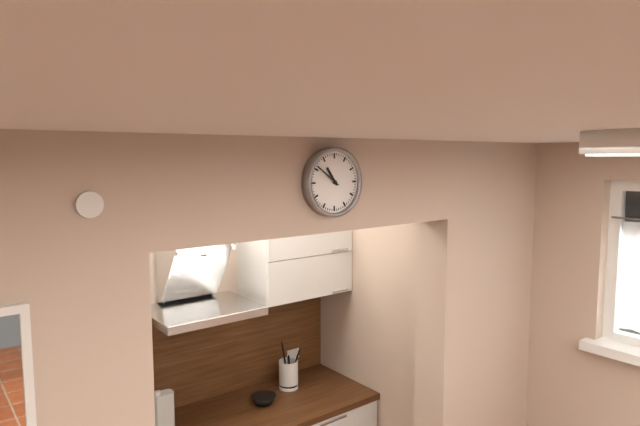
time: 10:51
